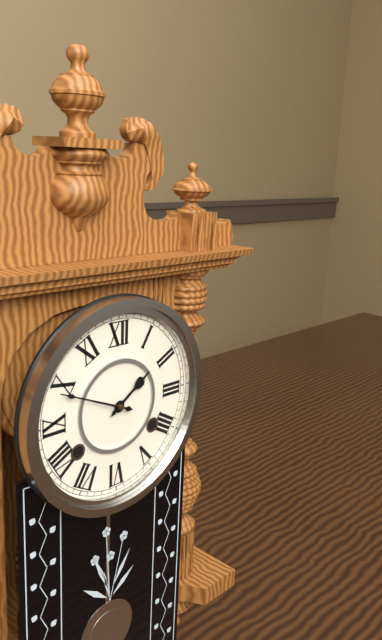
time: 1:49
